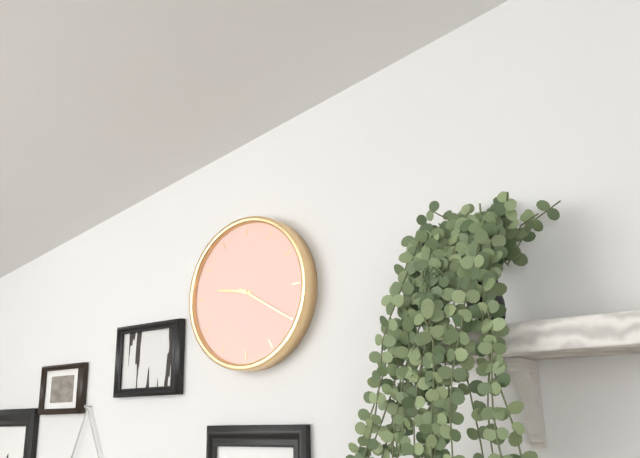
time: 9:20
